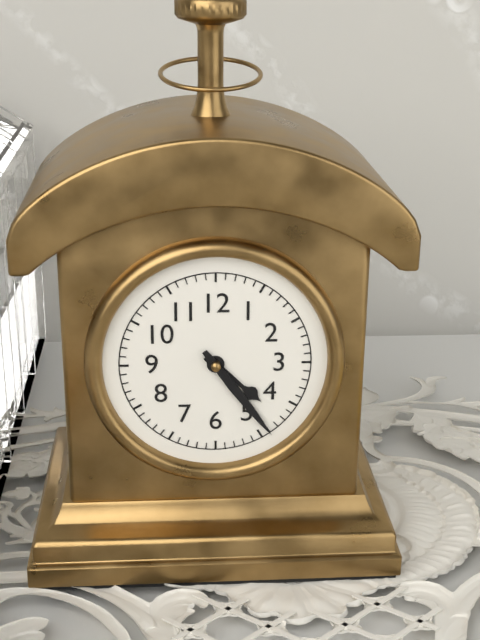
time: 4:24
